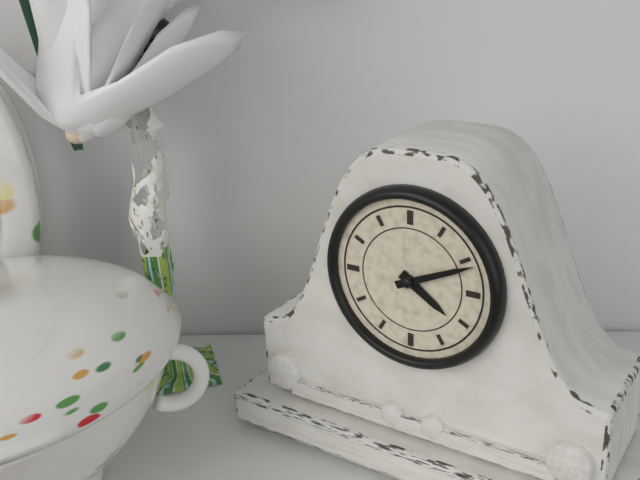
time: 4:11
